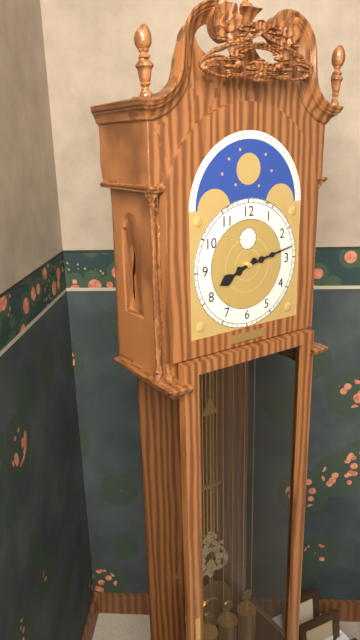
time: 8:13
